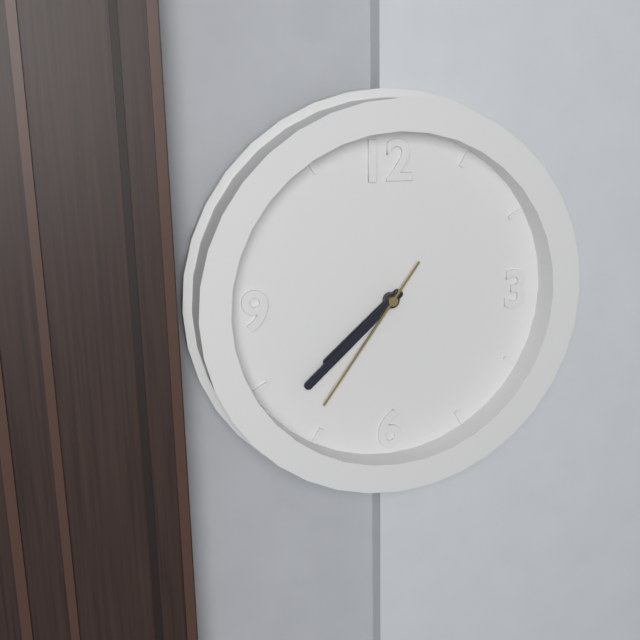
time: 7:38:36
